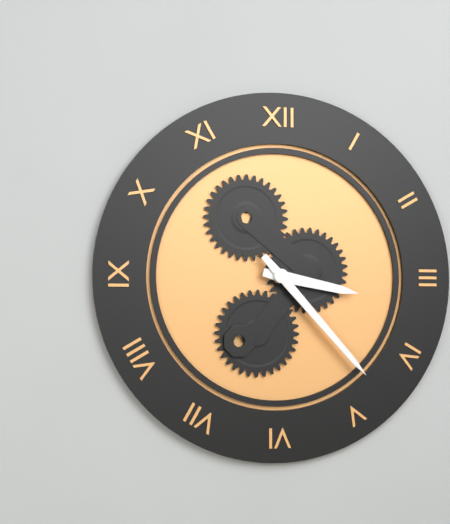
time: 3:23
